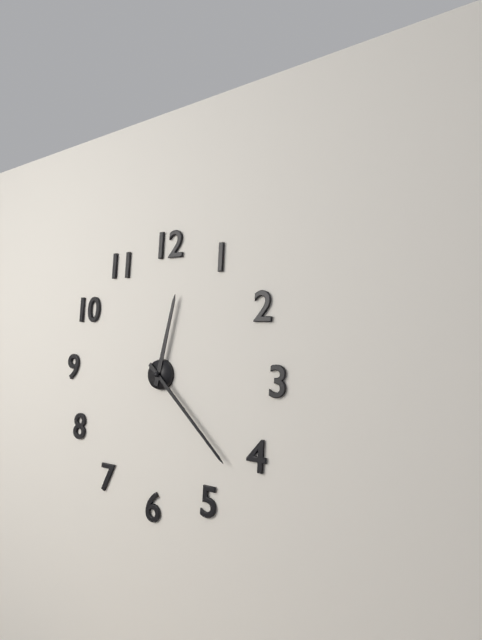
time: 12:22
